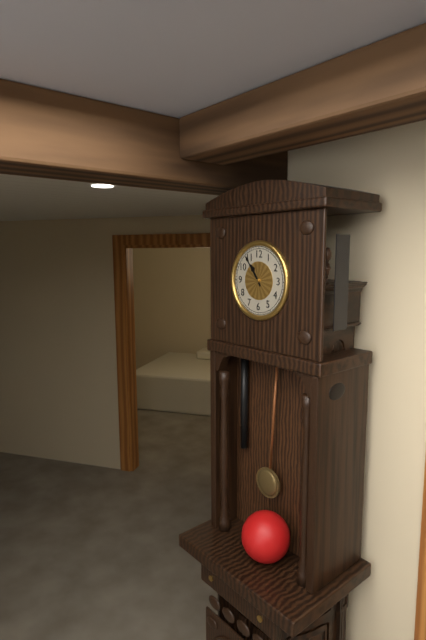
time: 10:54
